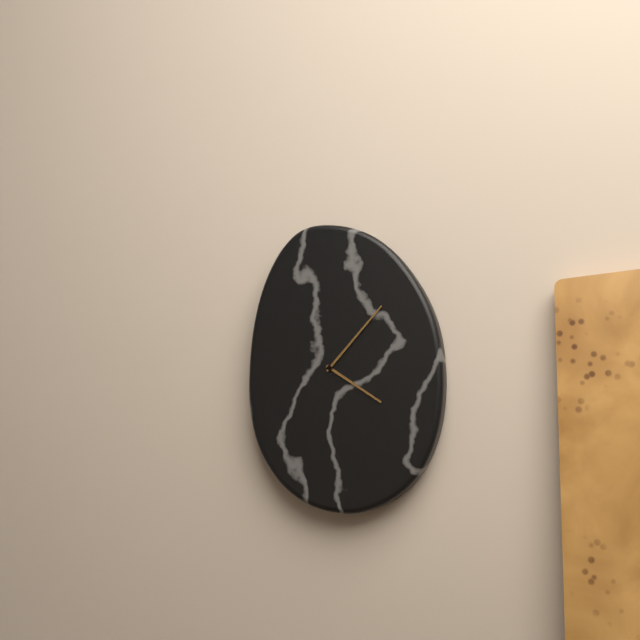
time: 4:07
